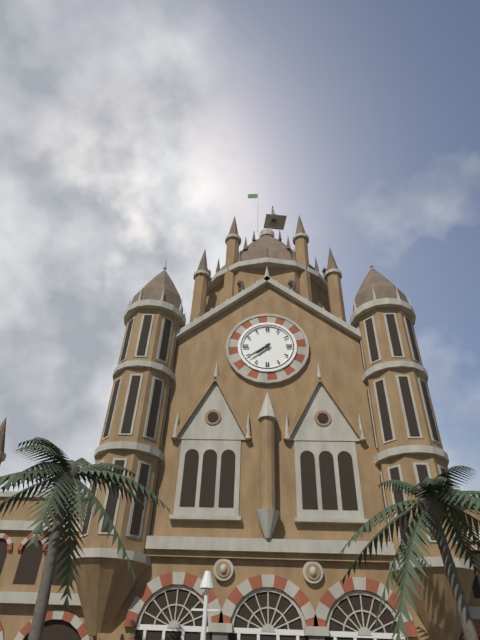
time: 7:39
